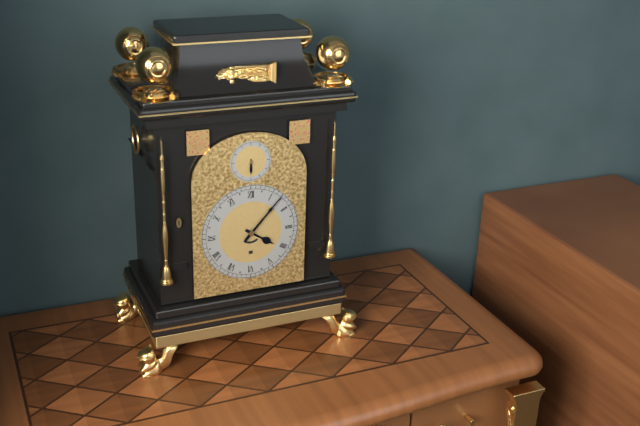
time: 4:07
